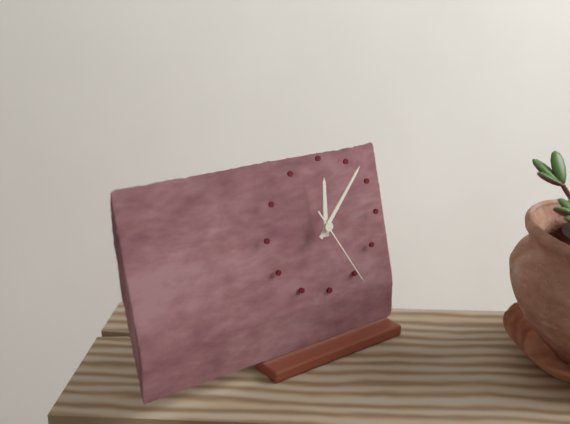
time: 12:07:25
